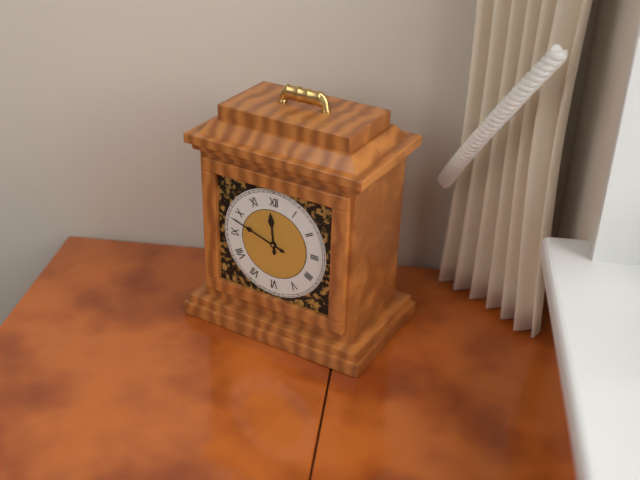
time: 11:48
